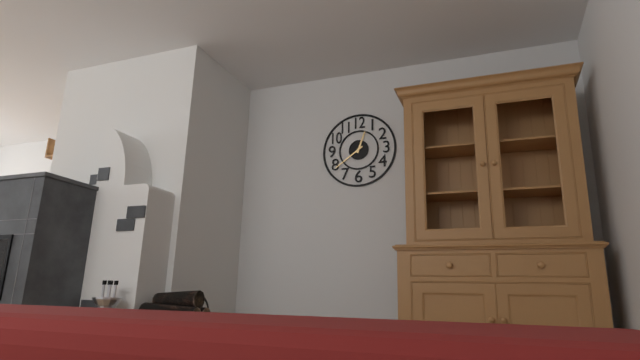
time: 12:39
